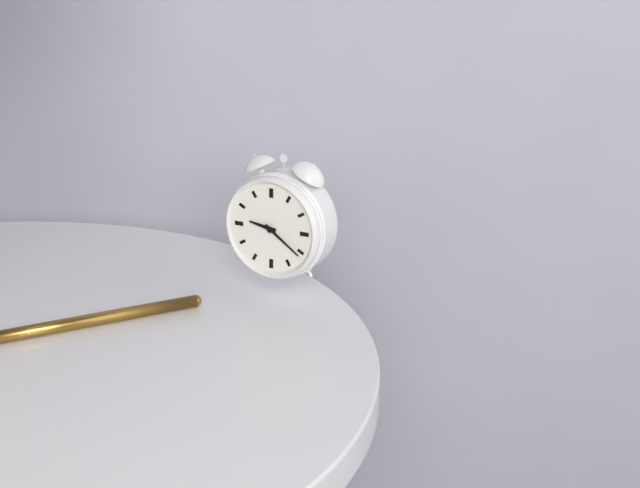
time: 9:21
